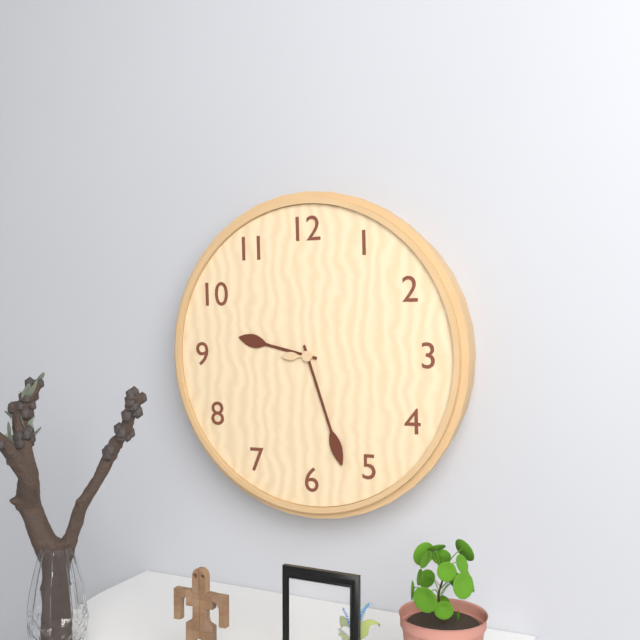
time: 9:27:45
